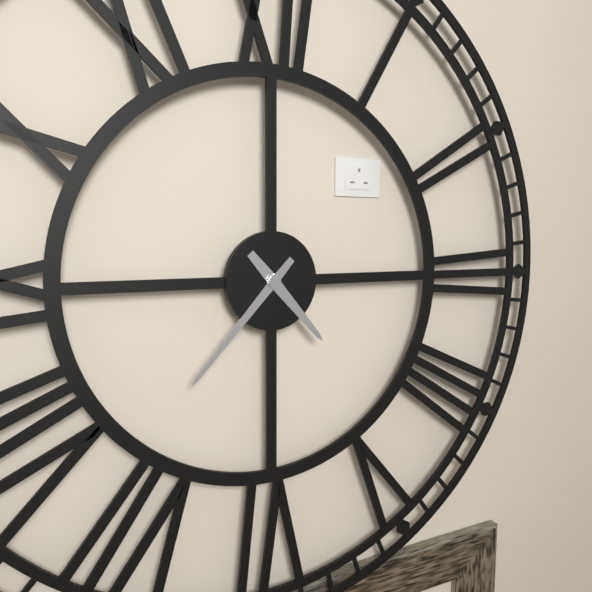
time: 4:37
